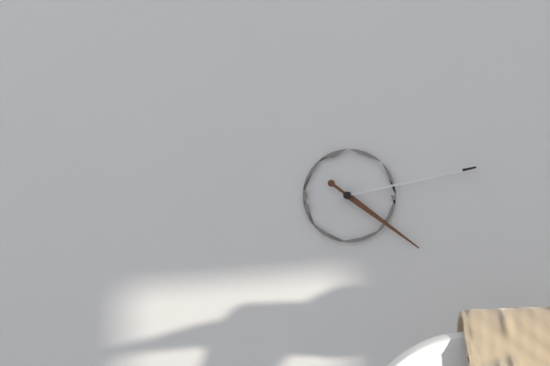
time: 4:13
